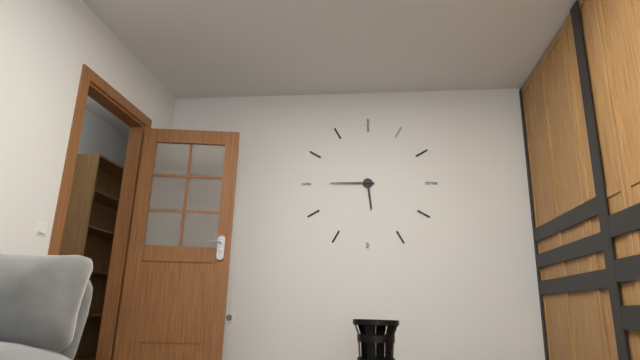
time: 5:45
